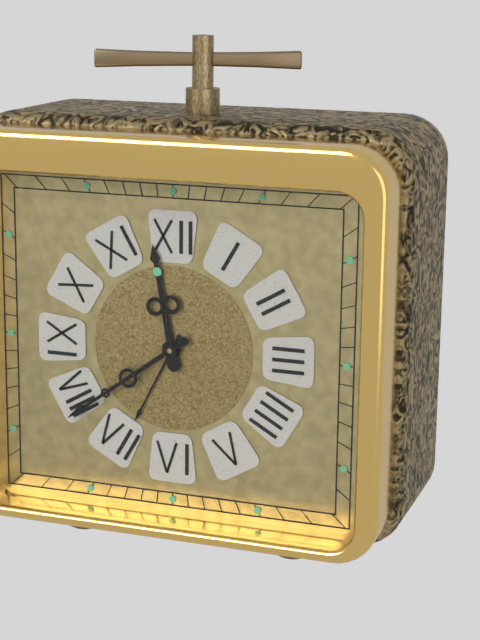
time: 11:39
